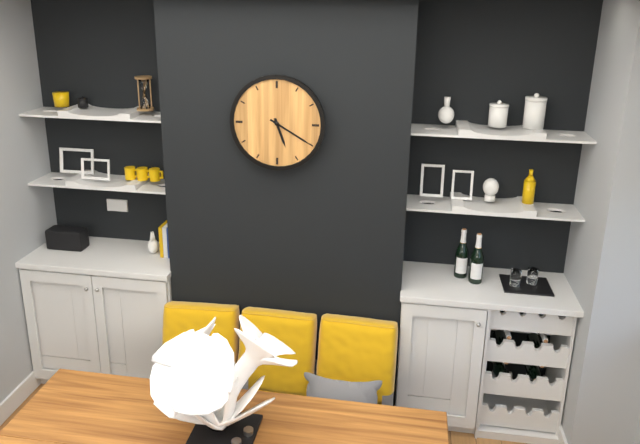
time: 5:20
